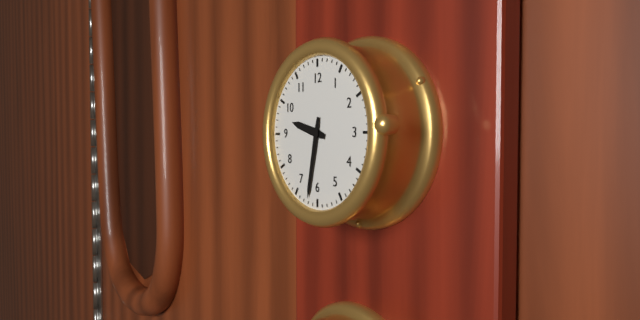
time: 9:32
